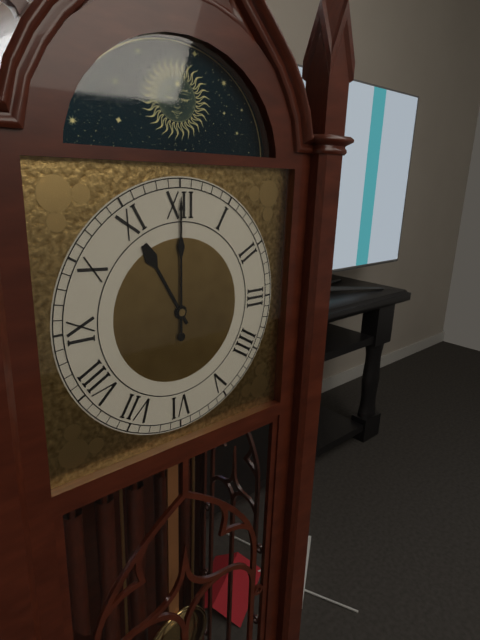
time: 11:00
